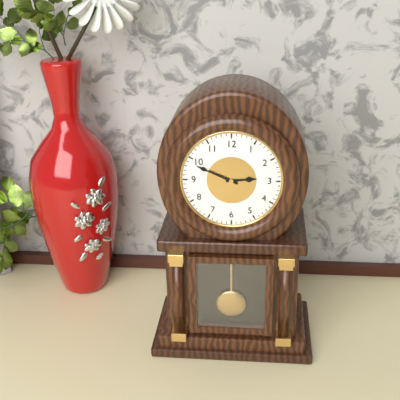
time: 2:49
